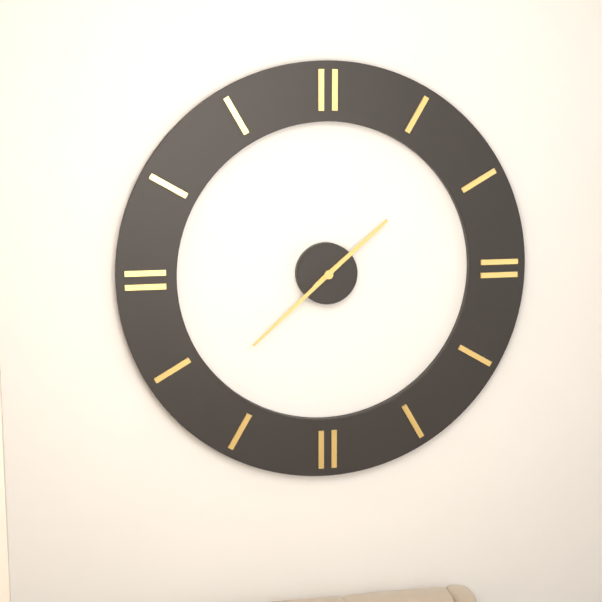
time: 1:38
